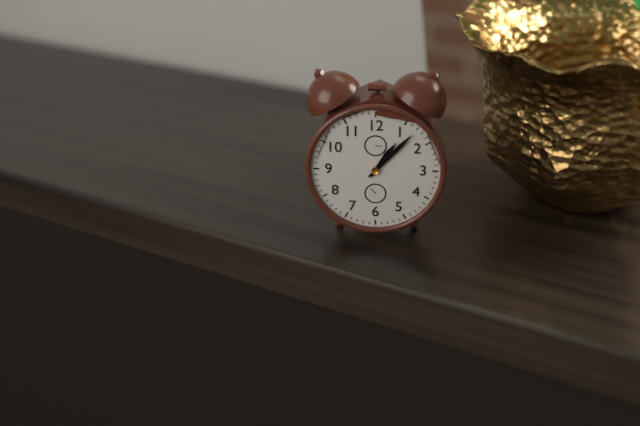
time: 1:07
